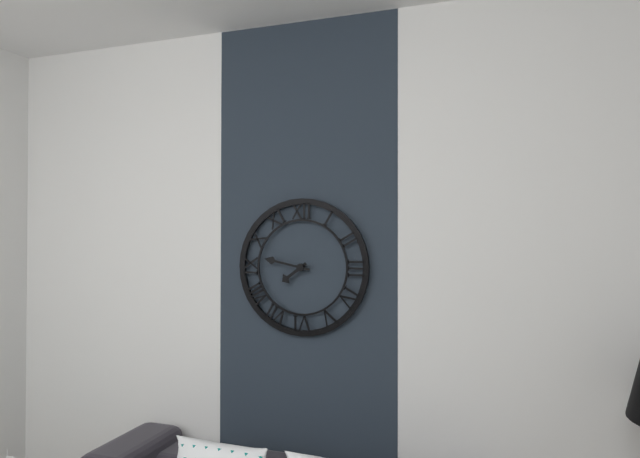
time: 7:47
